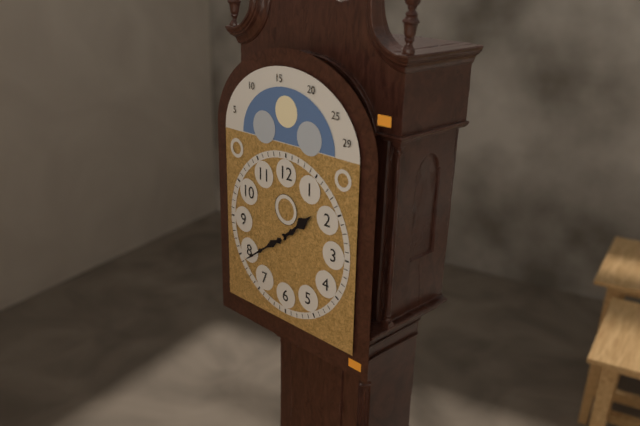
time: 1:39
